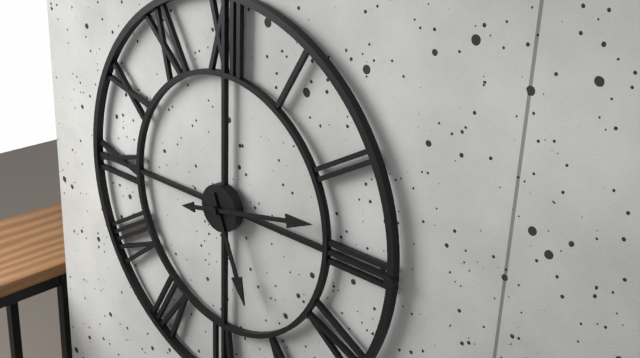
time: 5:13
